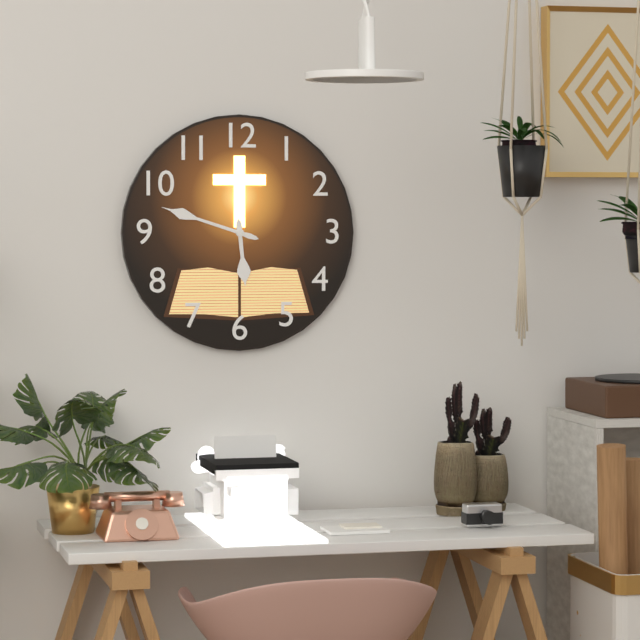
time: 5:48
